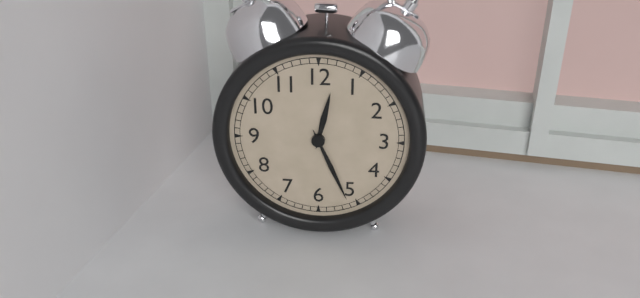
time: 12:26
